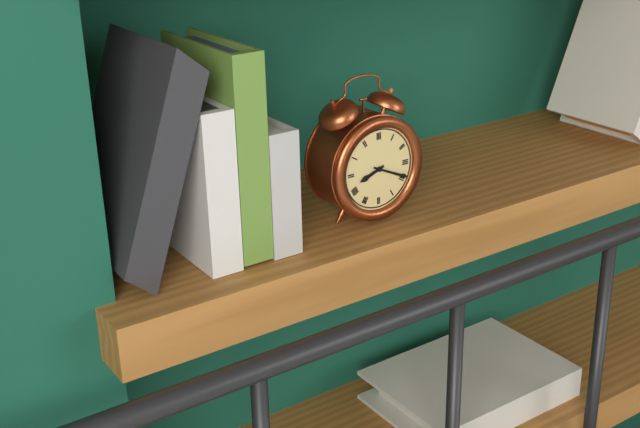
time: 8:19
